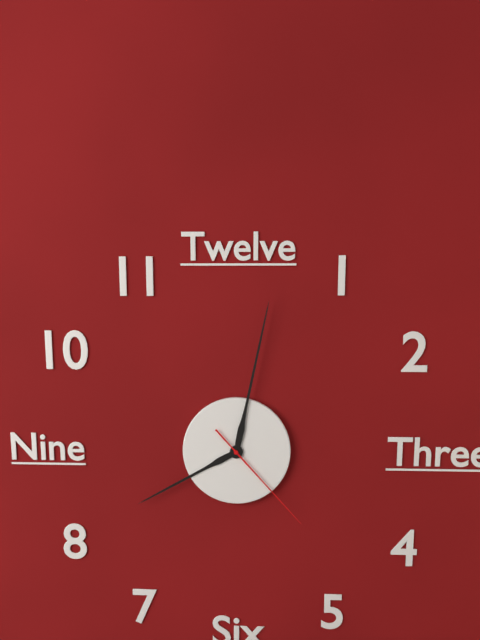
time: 8:02:23
